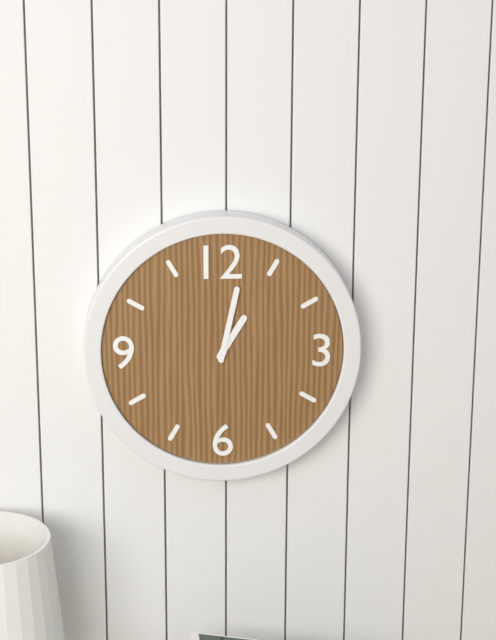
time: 1:02
